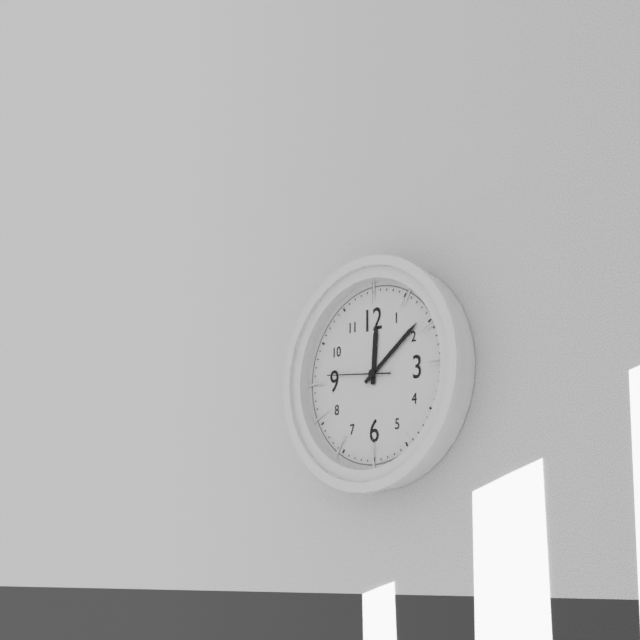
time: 12:09:46
